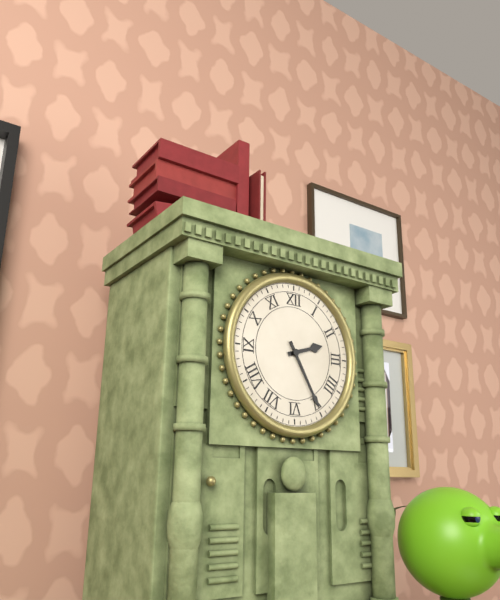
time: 2:25
